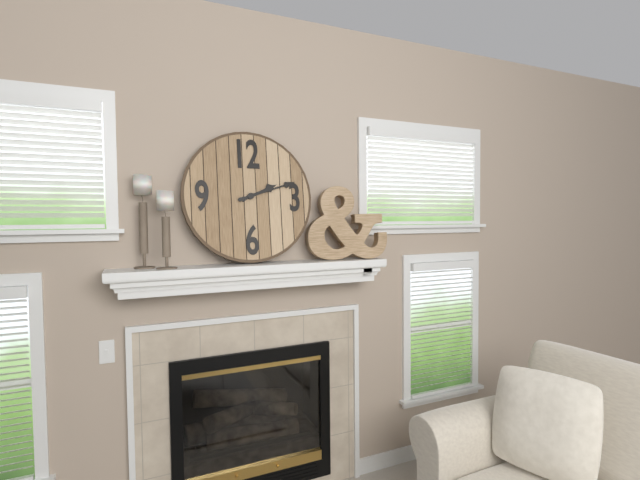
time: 2:12
